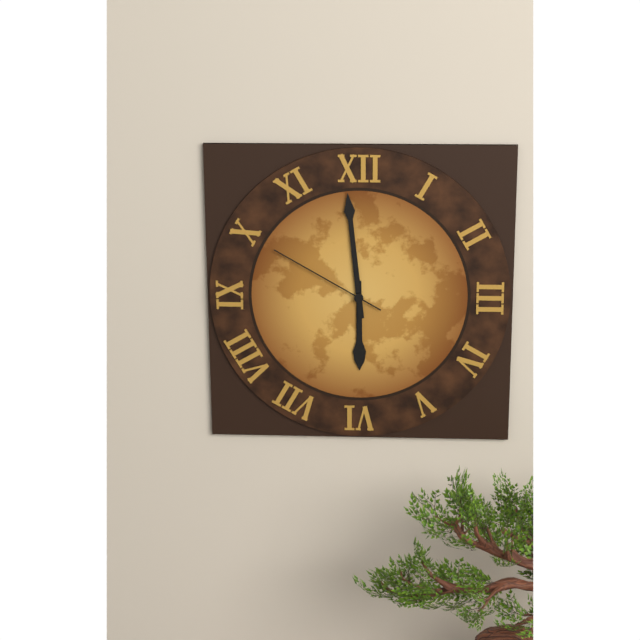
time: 5:59:50
